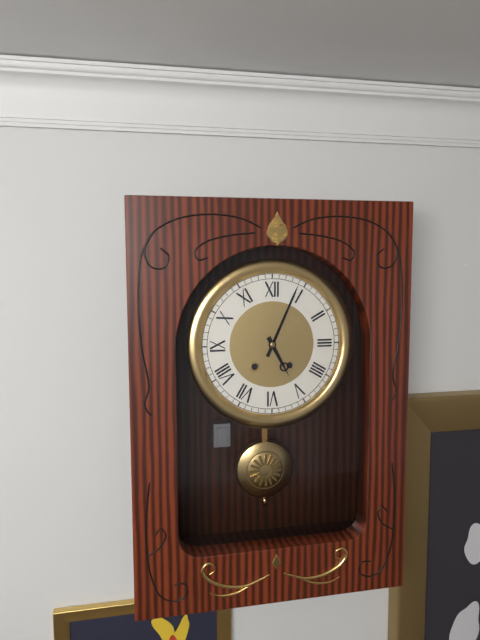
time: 5:04
